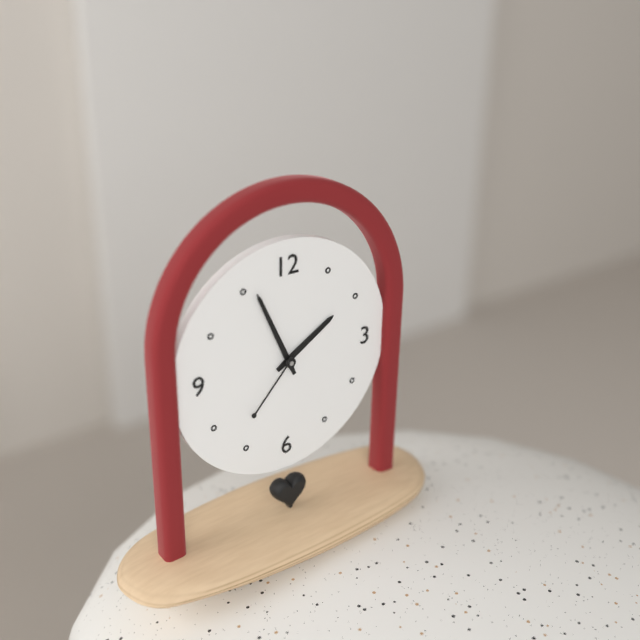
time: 1:56:37
